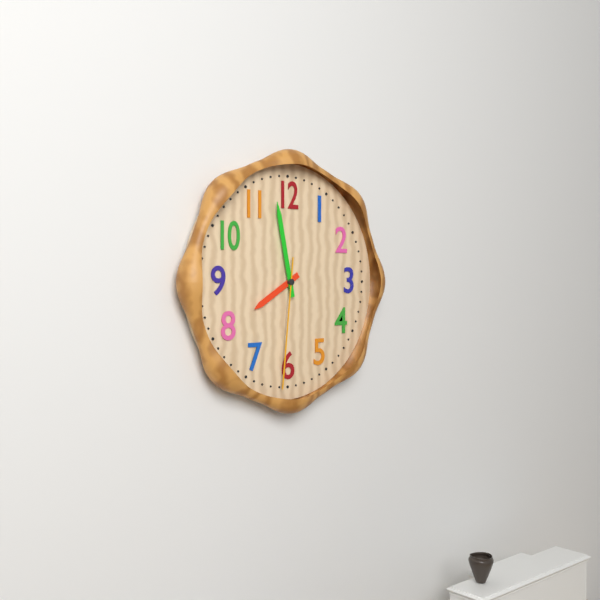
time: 7:58:31
